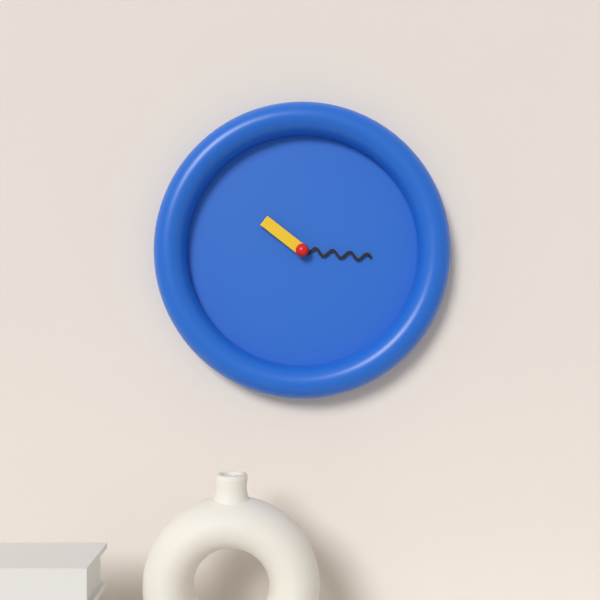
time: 10:16
